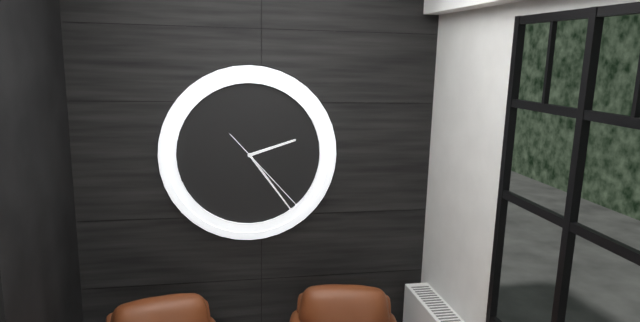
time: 2:24:23
